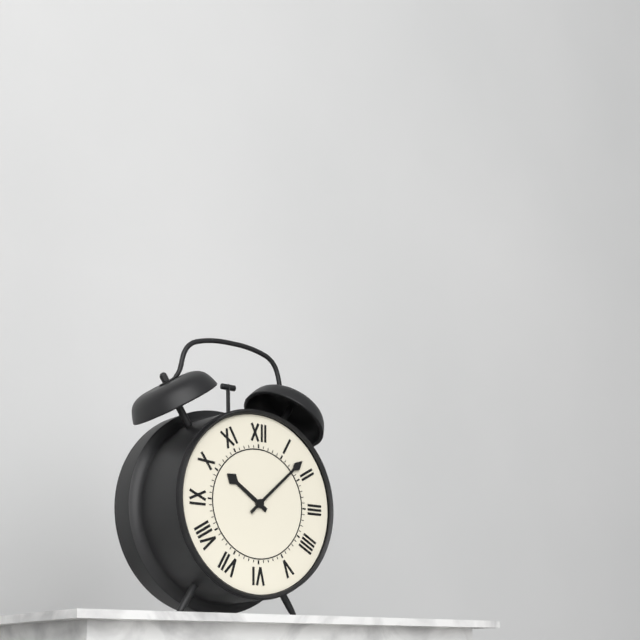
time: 10:08
